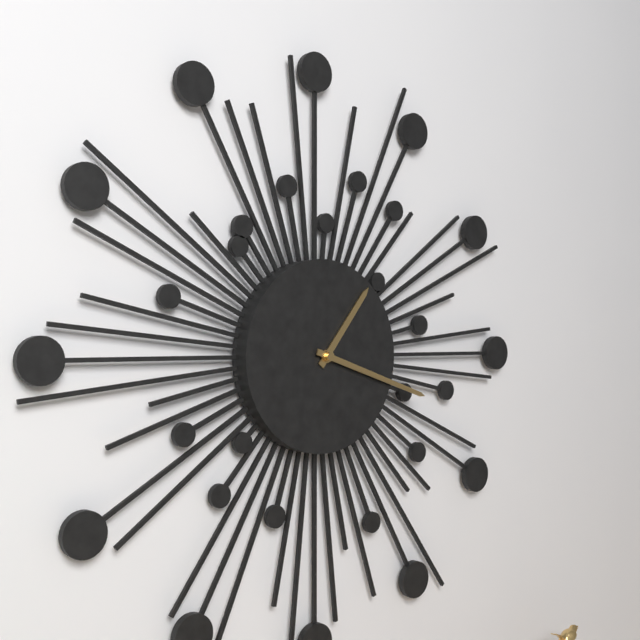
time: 1:18
